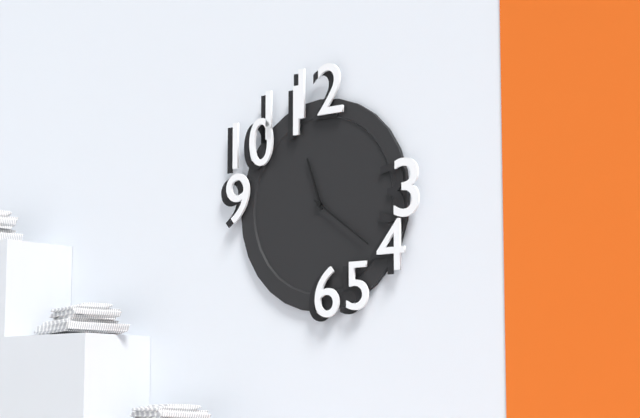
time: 11:21
